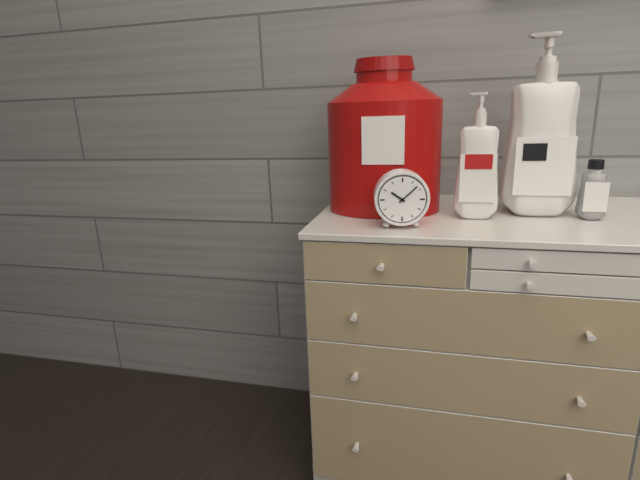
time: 10:08
